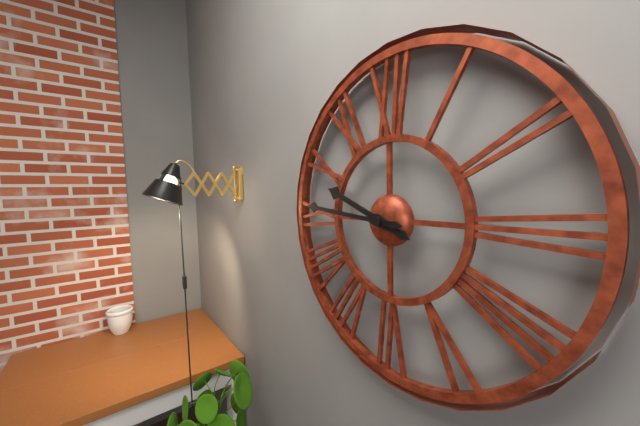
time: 9:46
